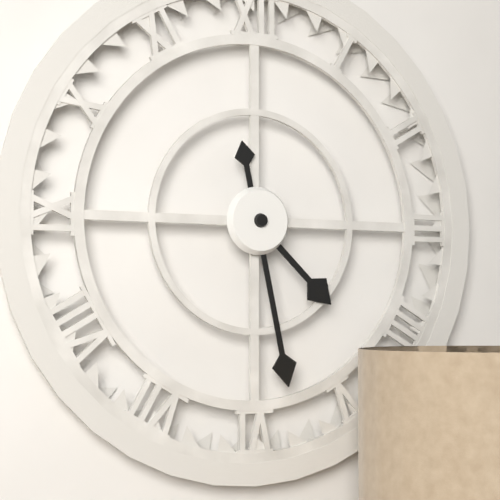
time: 4:28
